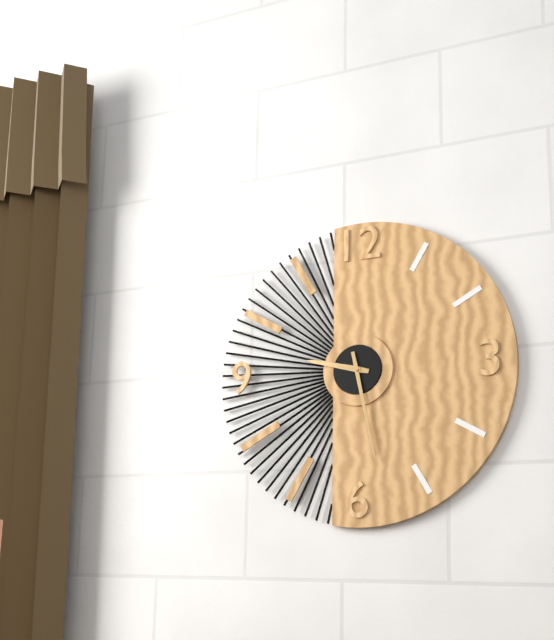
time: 9:28
